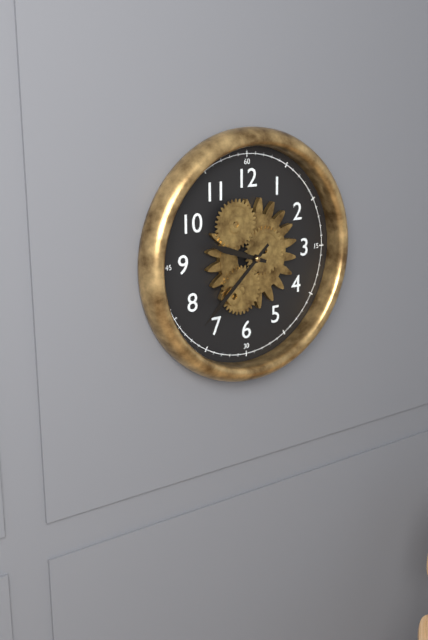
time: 9:38
